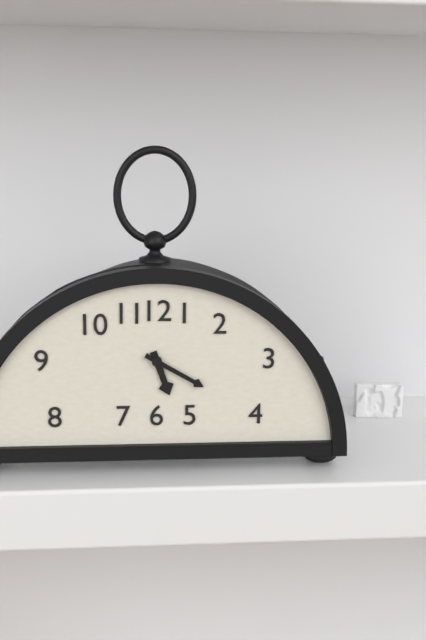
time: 5:20
